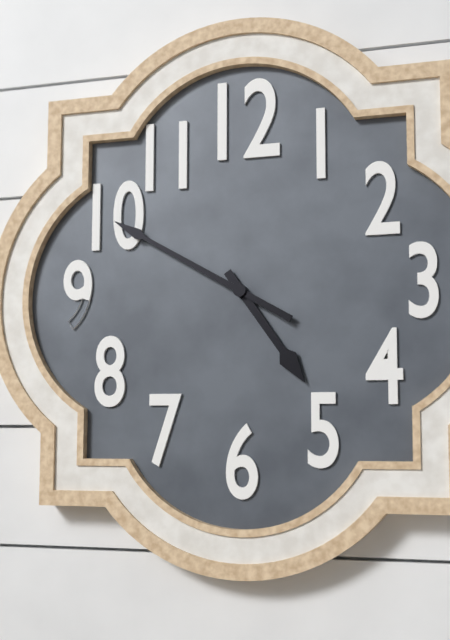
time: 4:50
